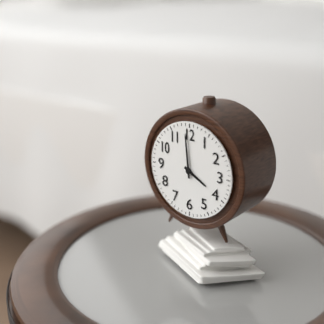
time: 3:59
